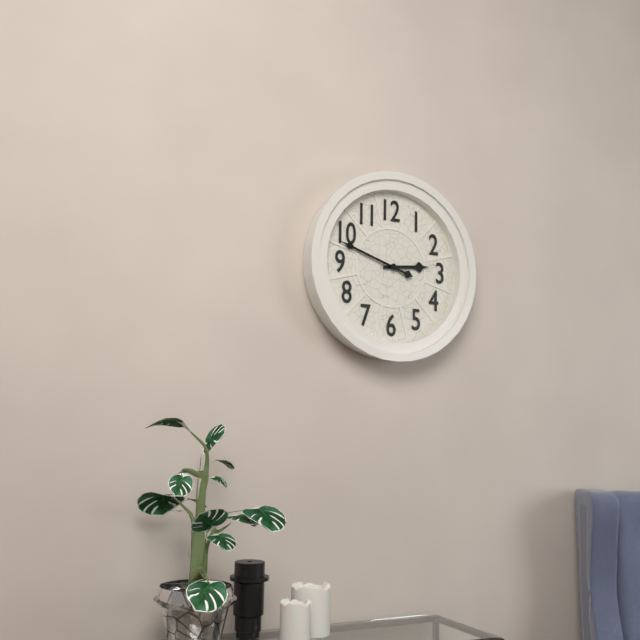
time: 2:48
